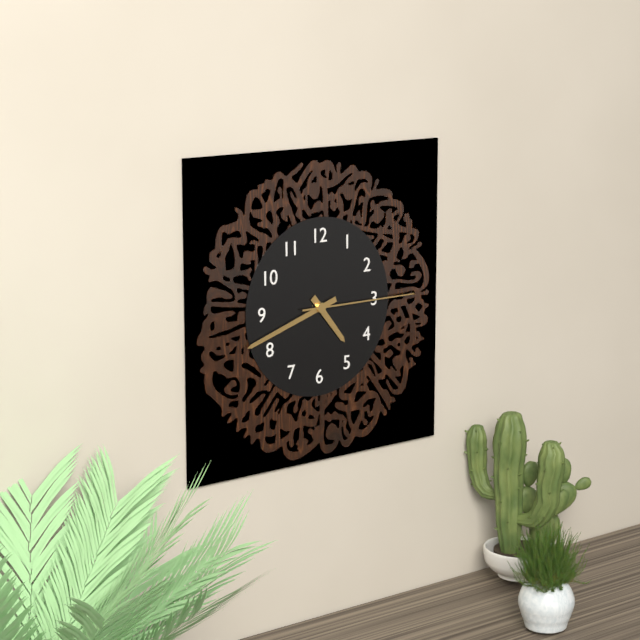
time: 4:42:15
